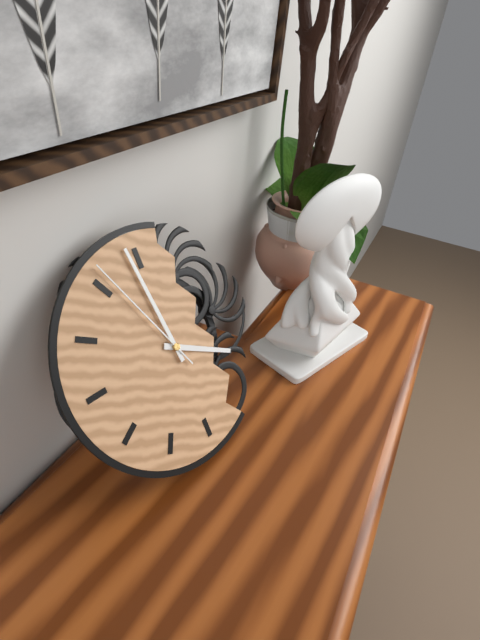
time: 3:59:56
